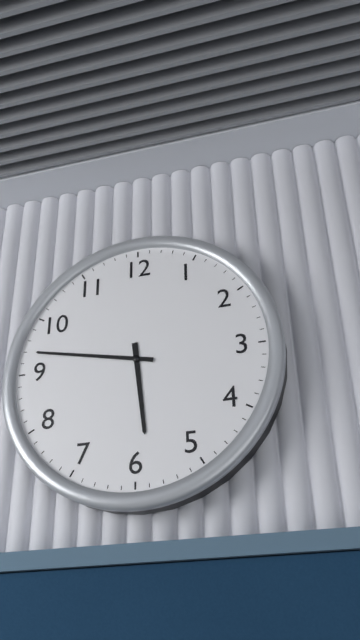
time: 5:47
